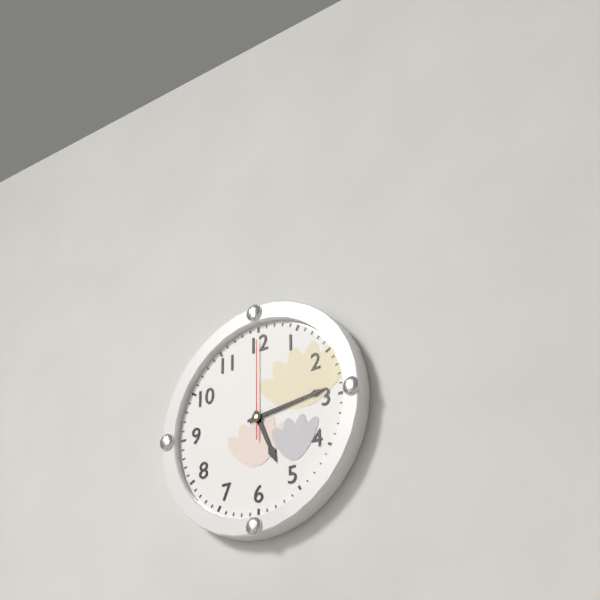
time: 5:14:00
